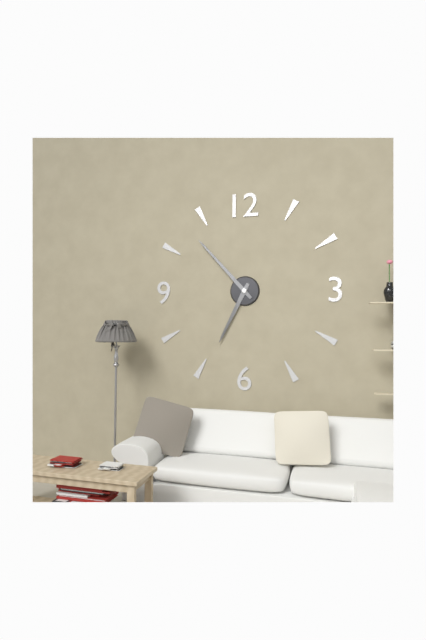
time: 6:53
